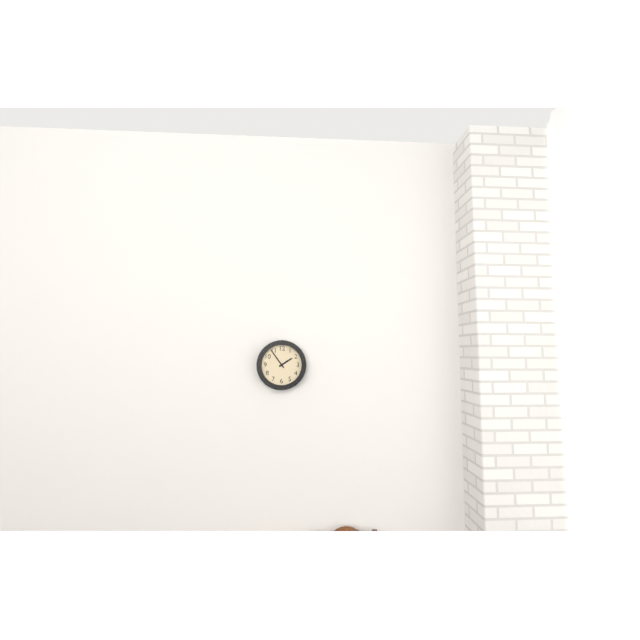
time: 1:54
